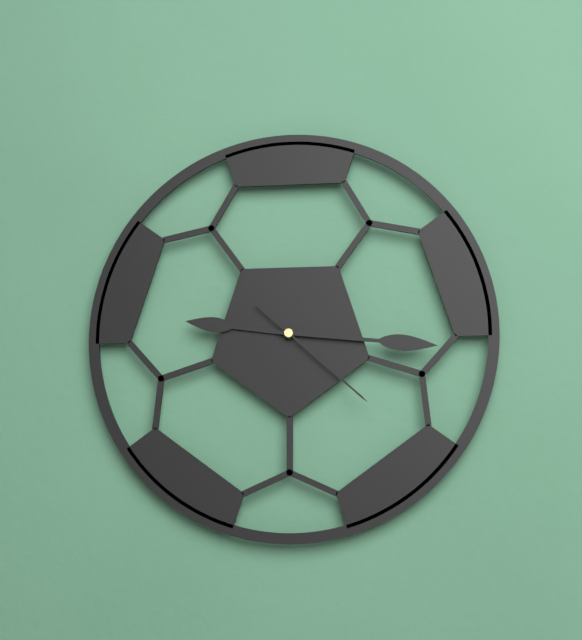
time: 9:16:22
